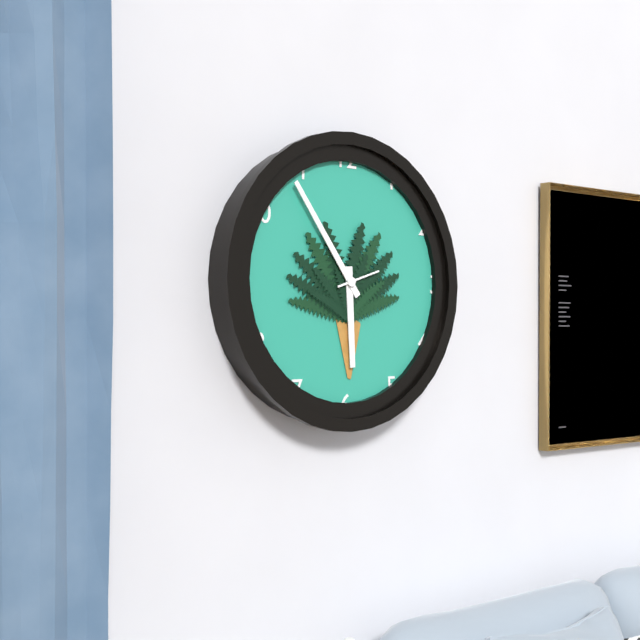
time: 5:54
